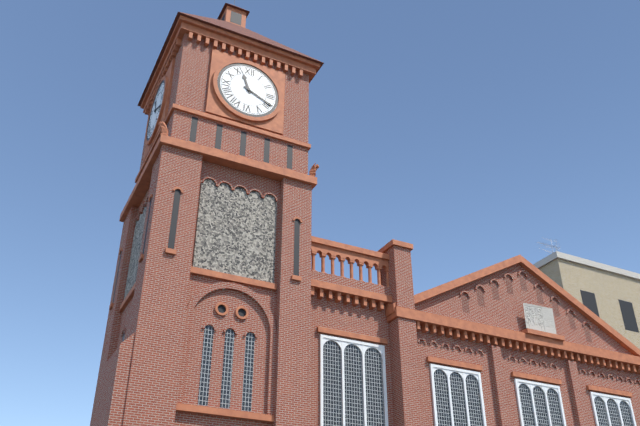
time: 11:19
